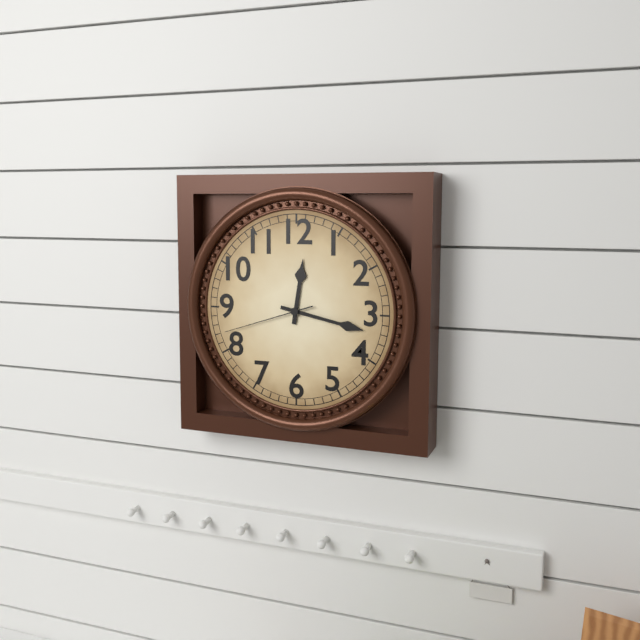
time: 12:17:42
